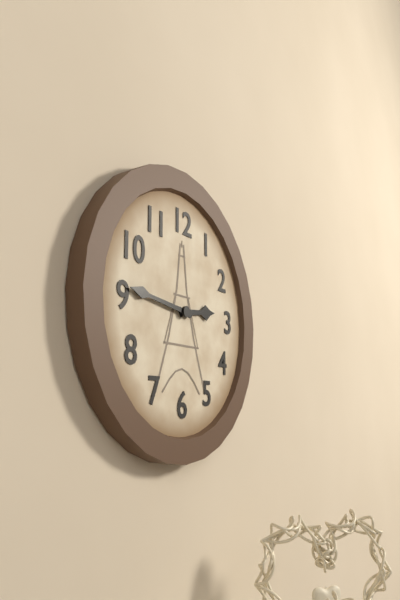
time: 2:46
